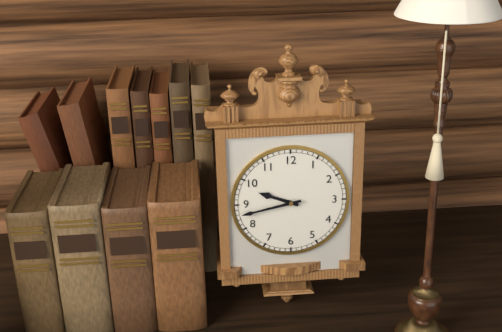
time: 9:43
